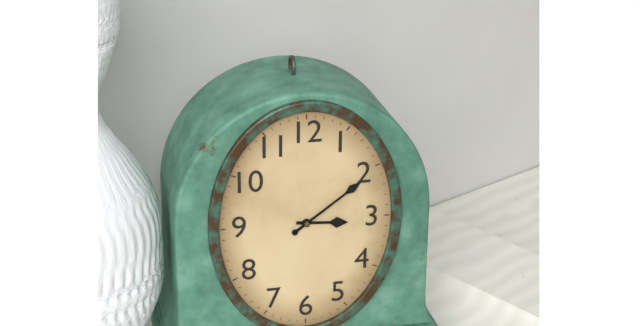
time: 3:09
